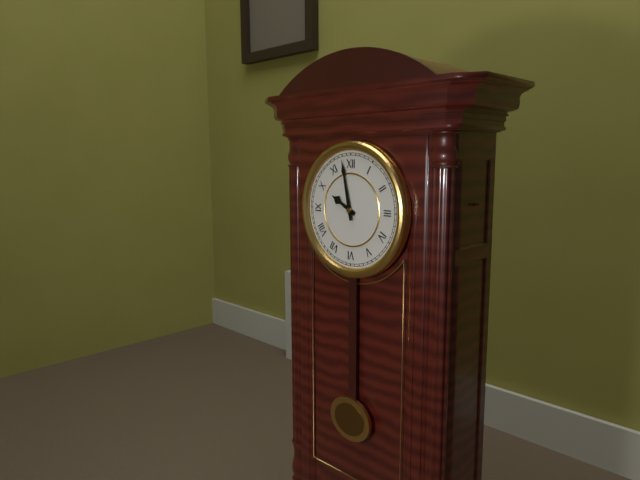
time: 9:58
